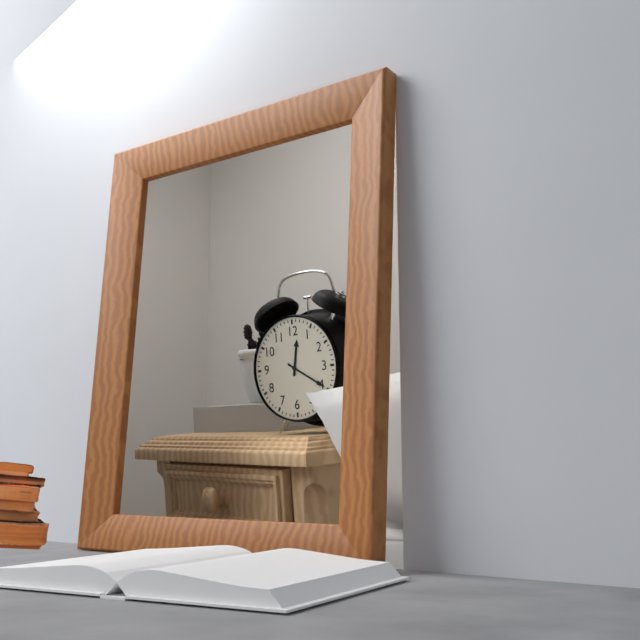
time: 12:20
